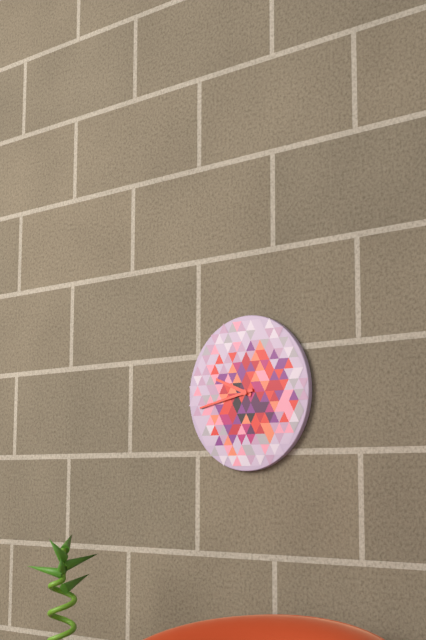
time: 9:43
